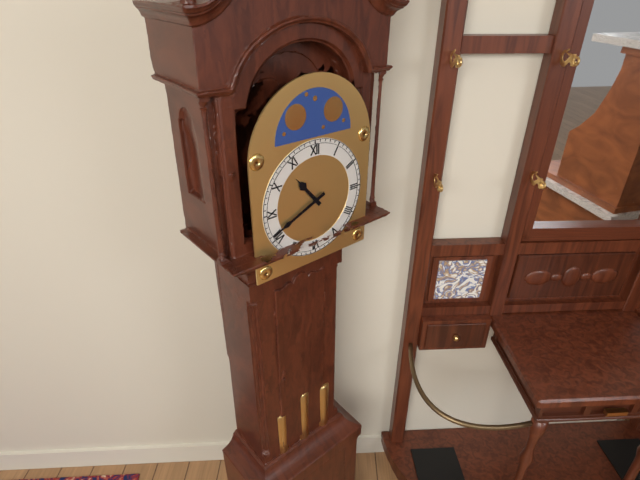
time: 10:41
